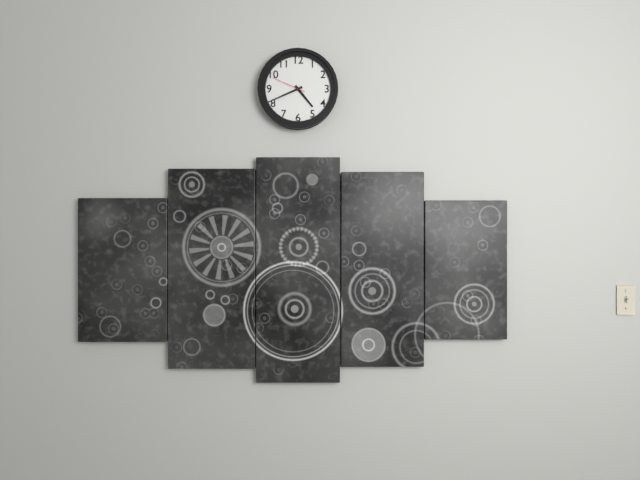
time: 4:41
